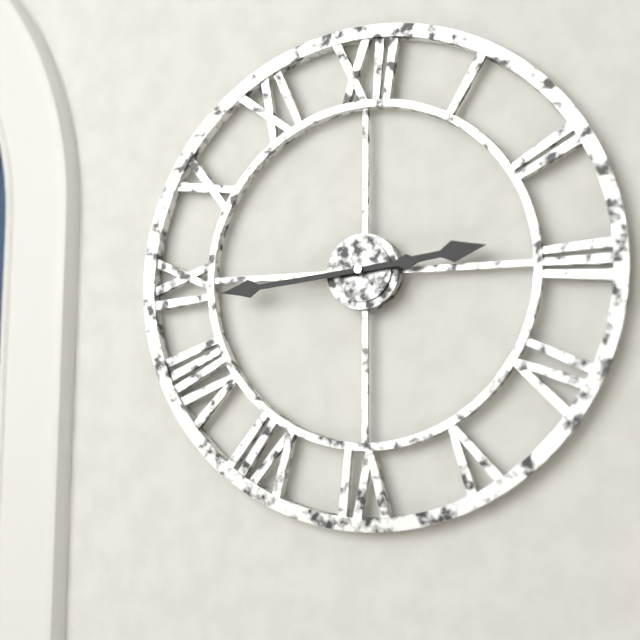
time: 2:44
